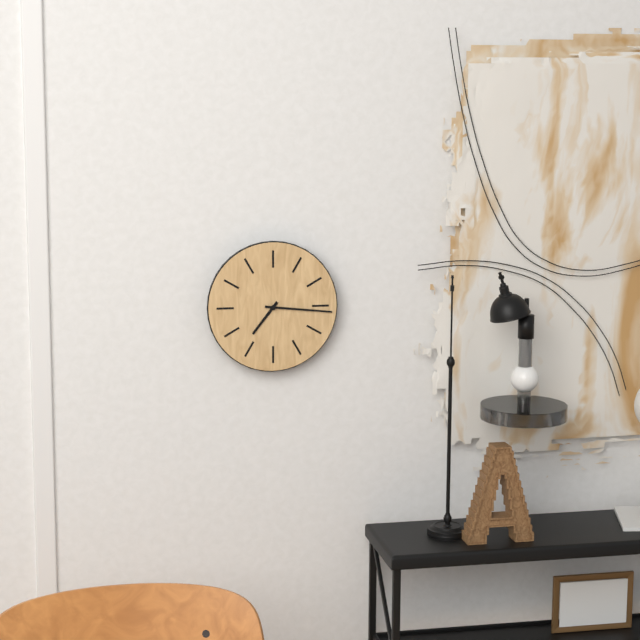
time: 7:16
